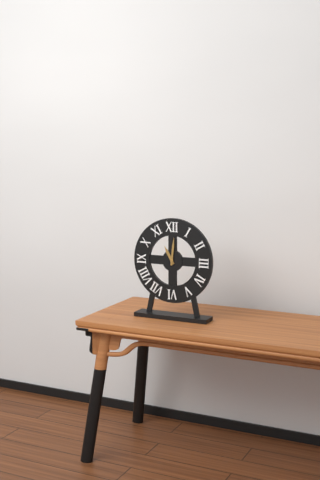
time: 11:01
